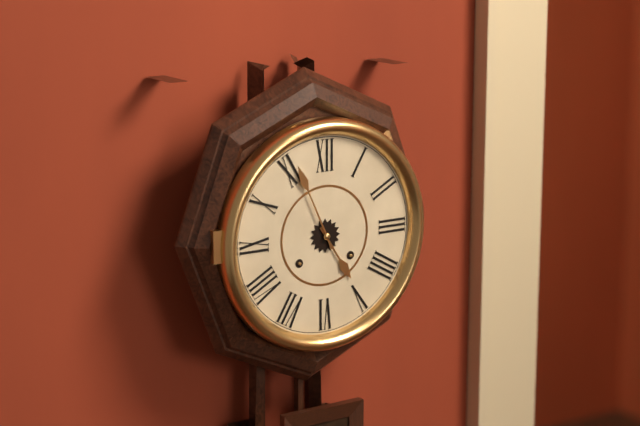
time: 4:56
